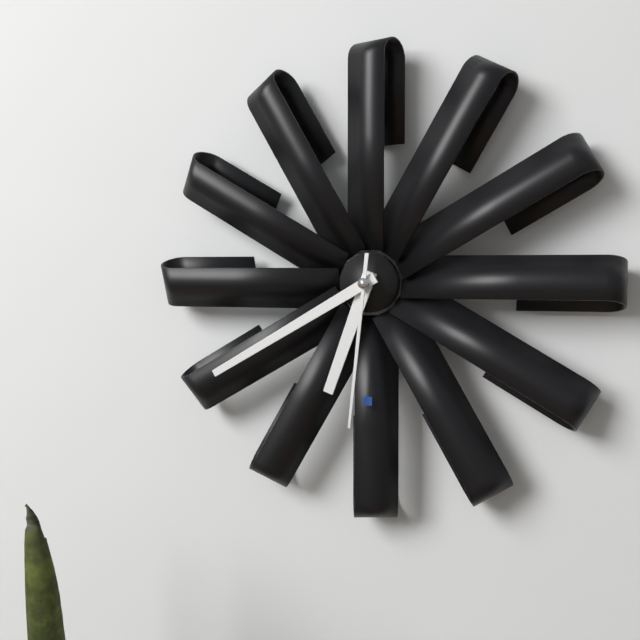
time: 6:40:31
